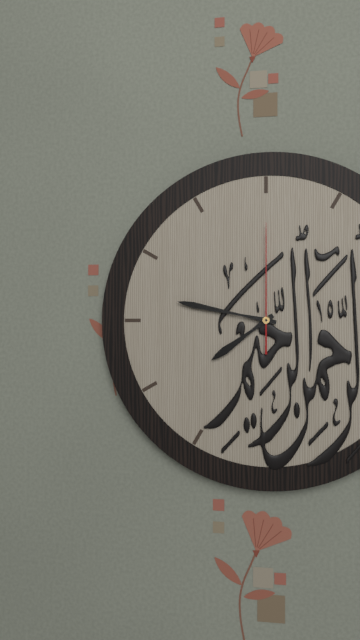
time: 7:47:00
